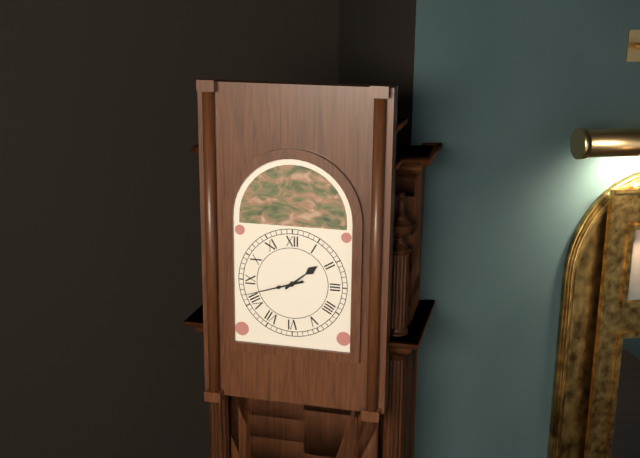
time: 1:42
